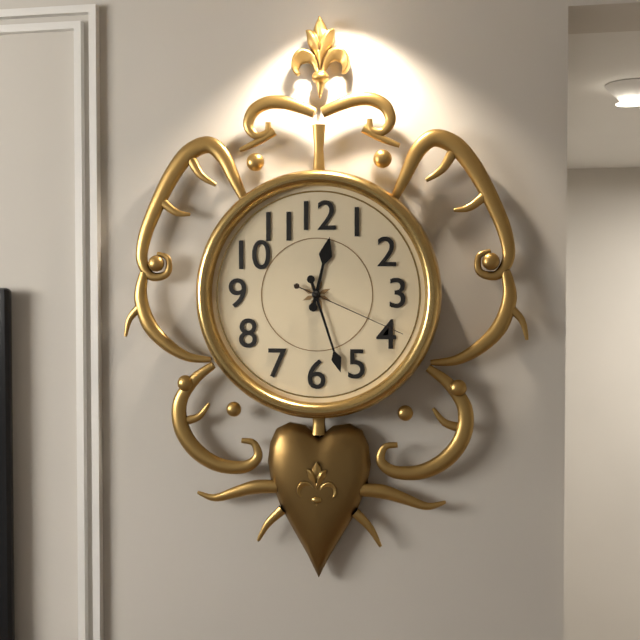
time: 12:27:19
